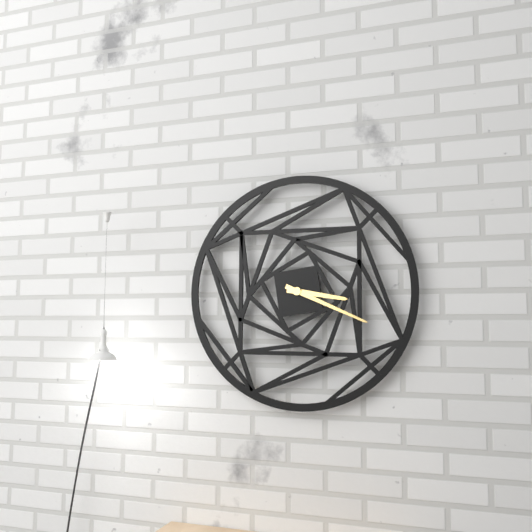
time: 3:19
